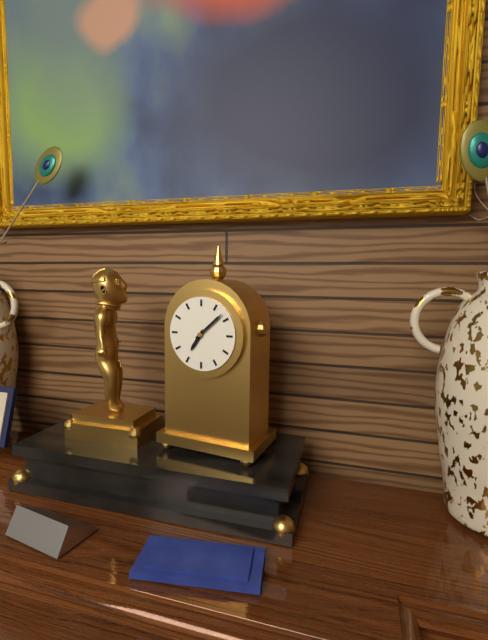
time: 7:08
